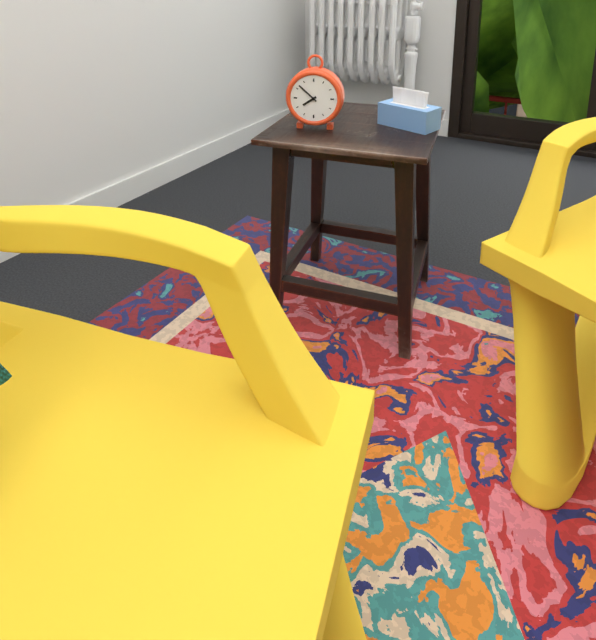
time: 7:52
